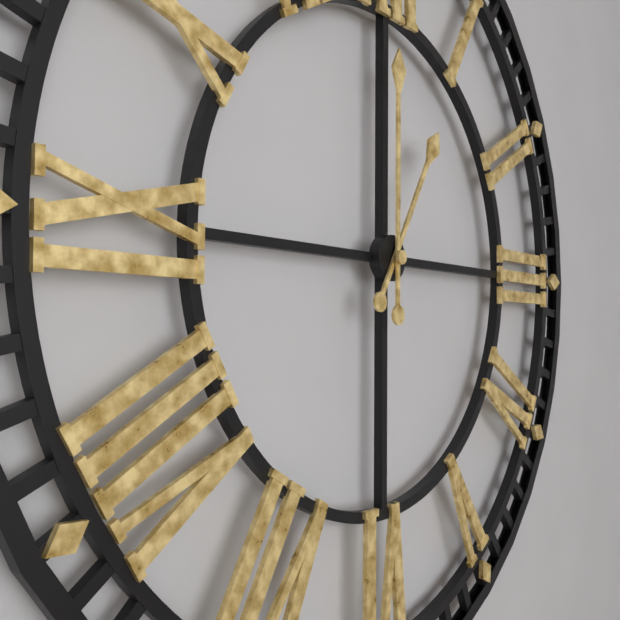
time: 1:00
